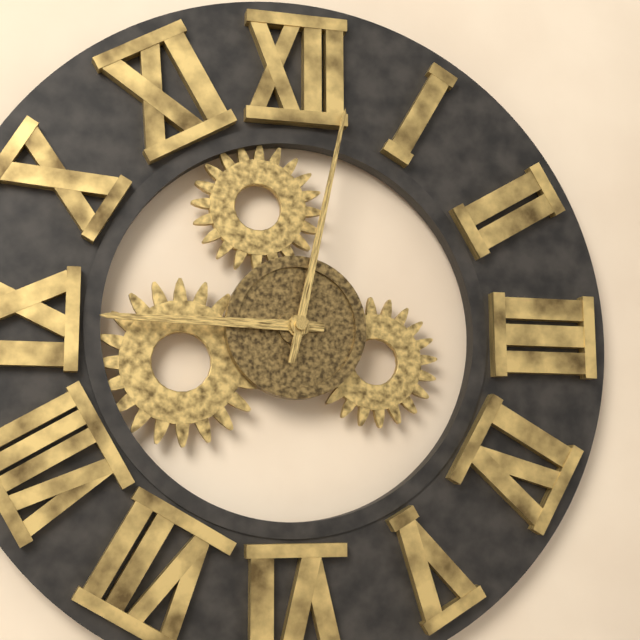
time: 9:02
